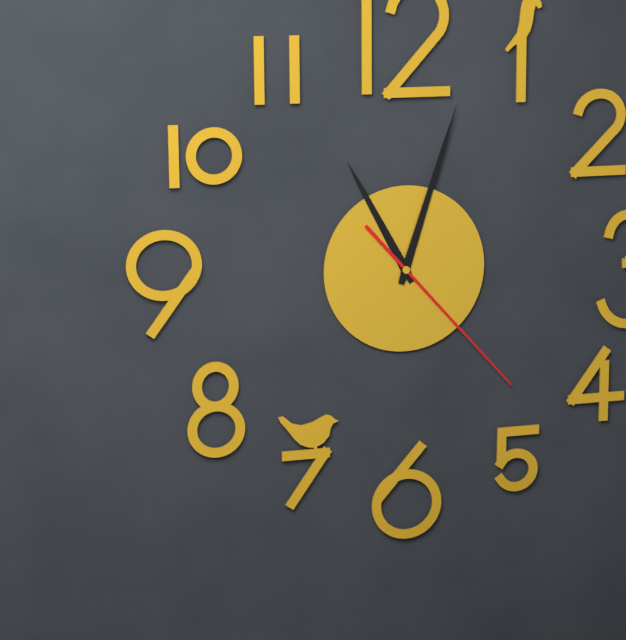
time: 11:03:23
